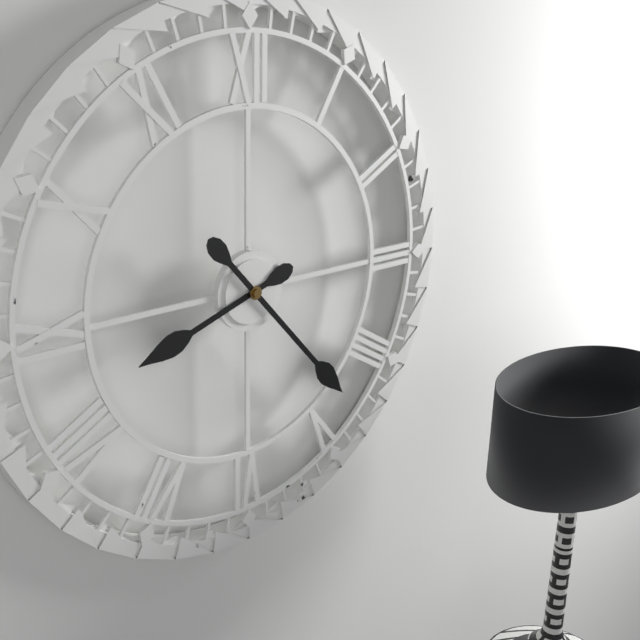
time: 8:23
